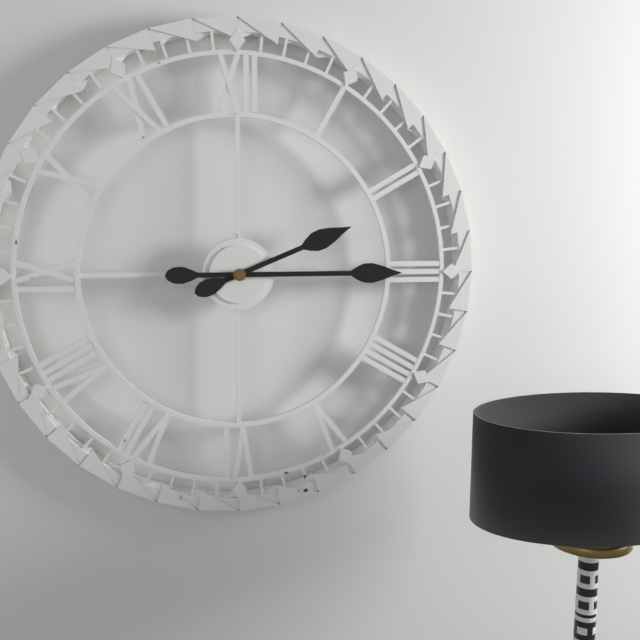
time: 2:15
